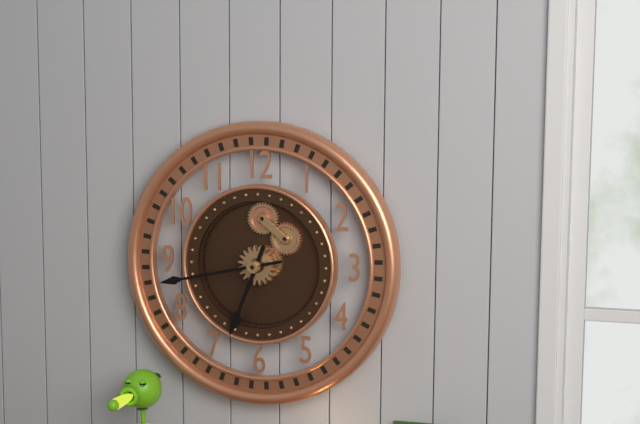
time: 6:43
